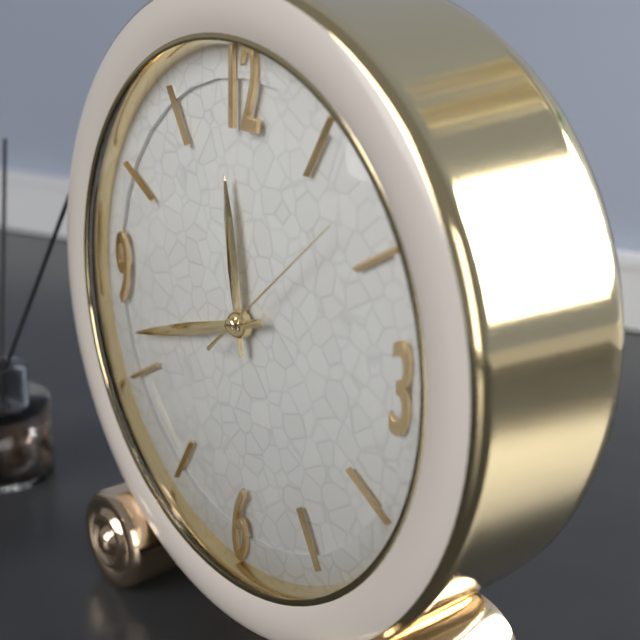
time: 11:42:08
